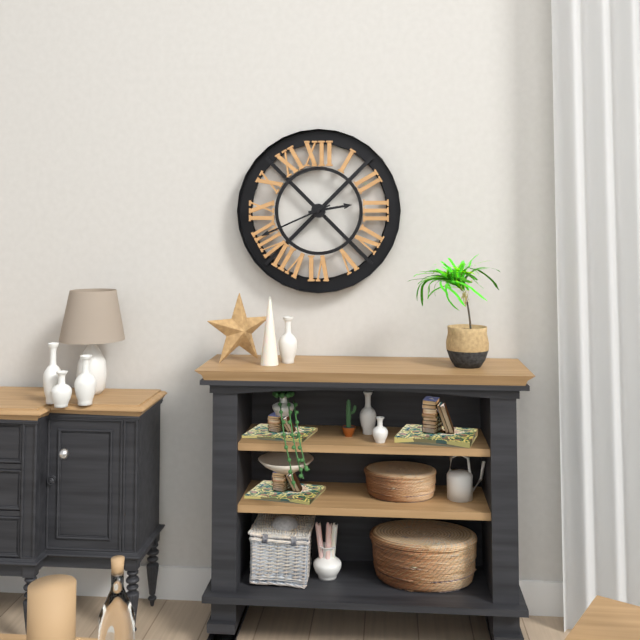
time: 2:41
